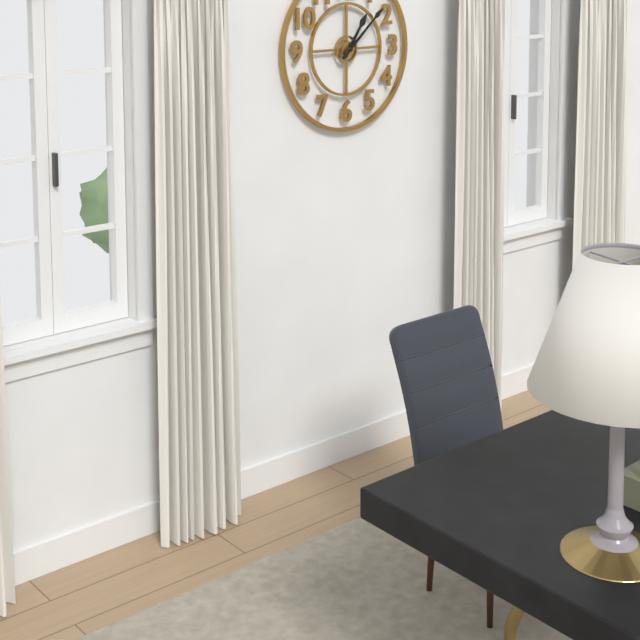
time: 1:08
